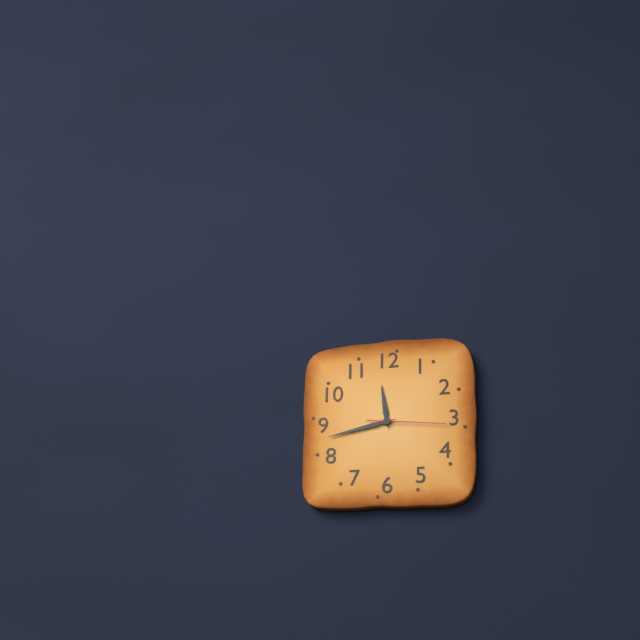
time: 11:43:16
